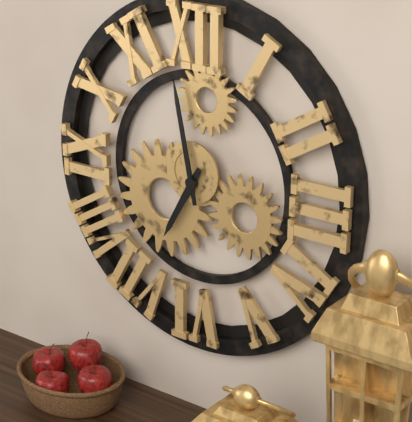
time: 6:58
